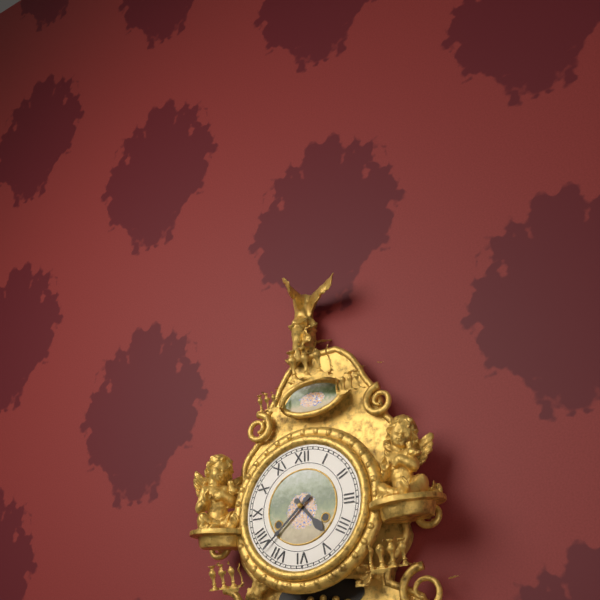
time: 4:38
